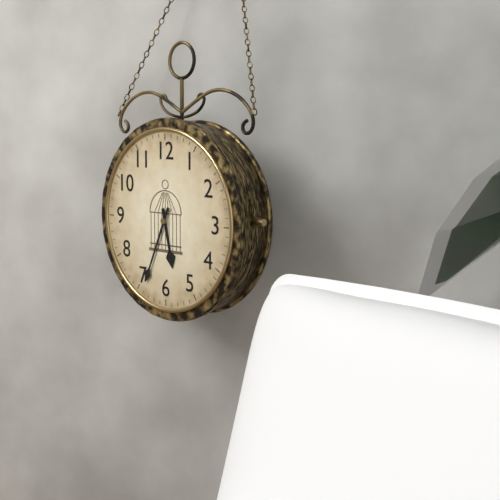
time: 5:34
